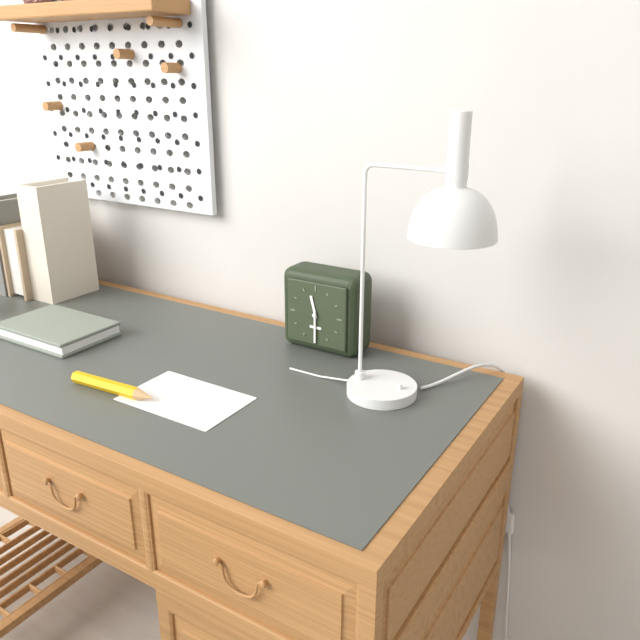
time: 11:30
